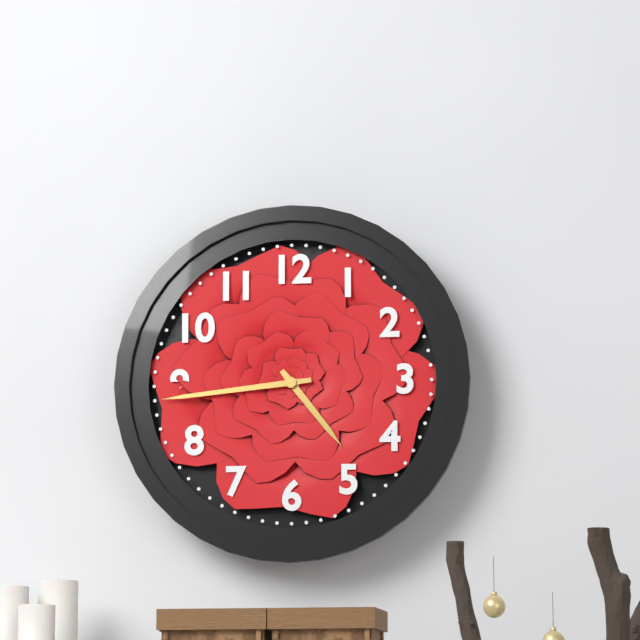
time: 4:44
